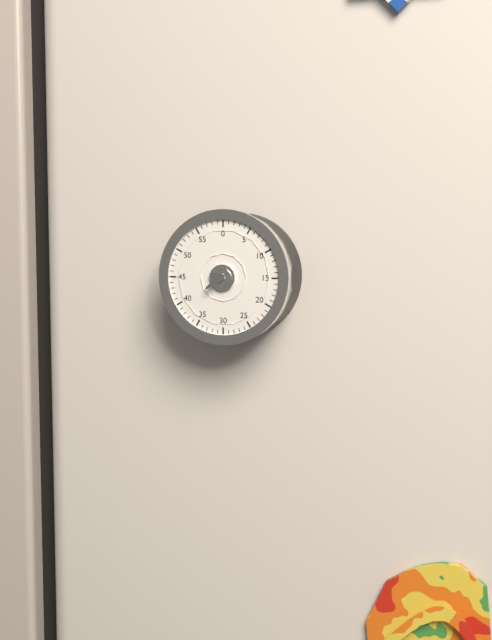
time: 9:39
